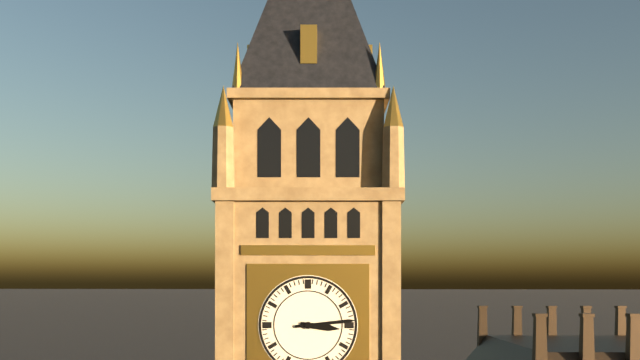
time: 3:14
